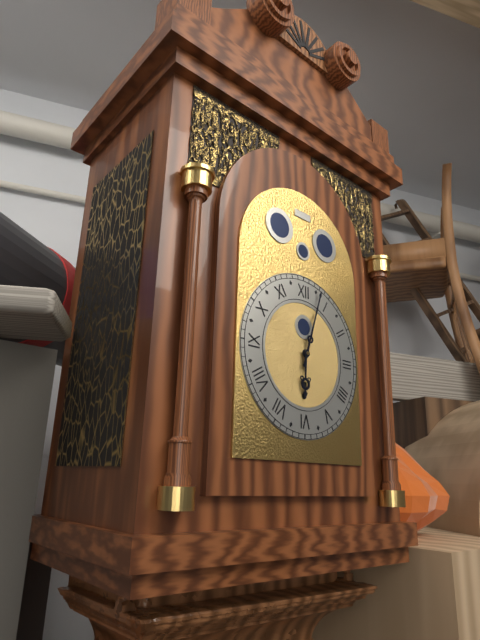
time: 6:03
